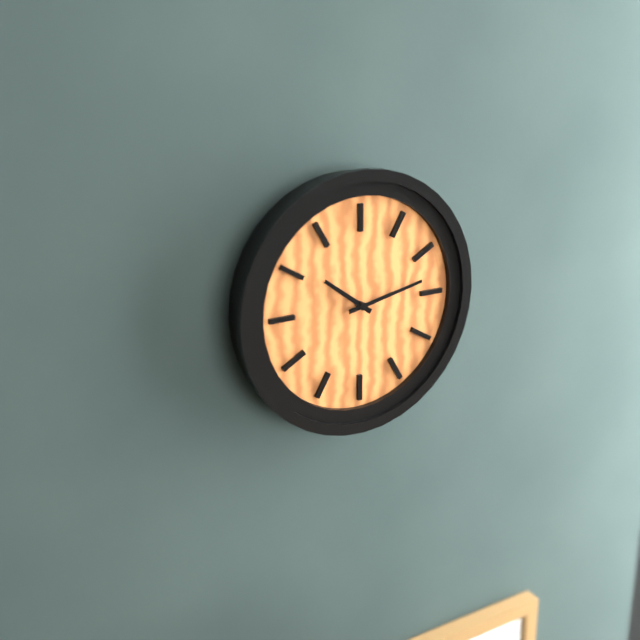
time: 10:13
